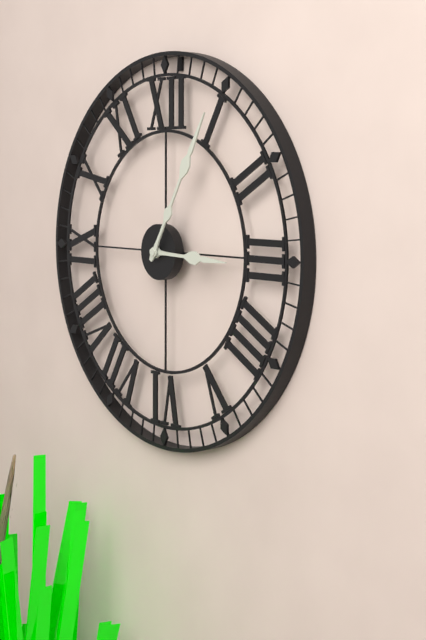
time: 3:05
